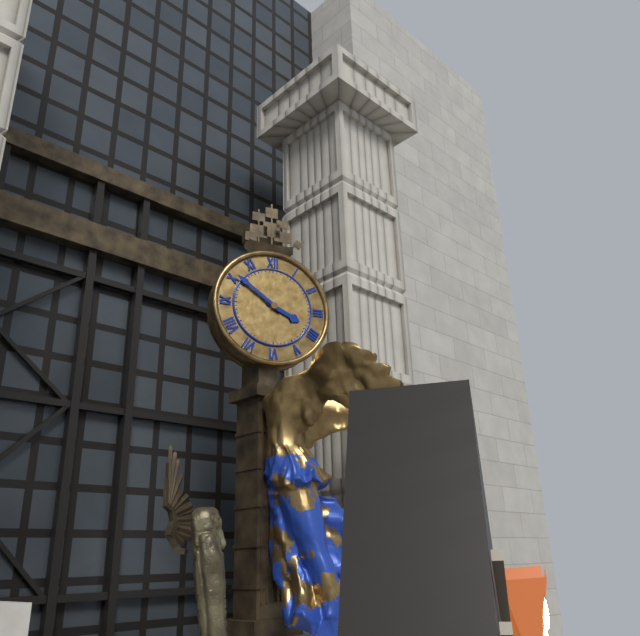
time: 3:51
